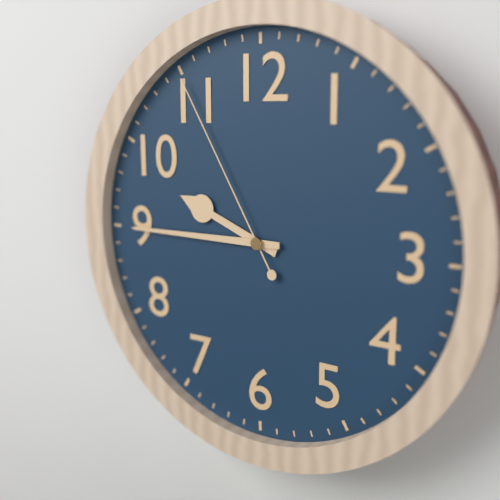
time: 9:45:55
